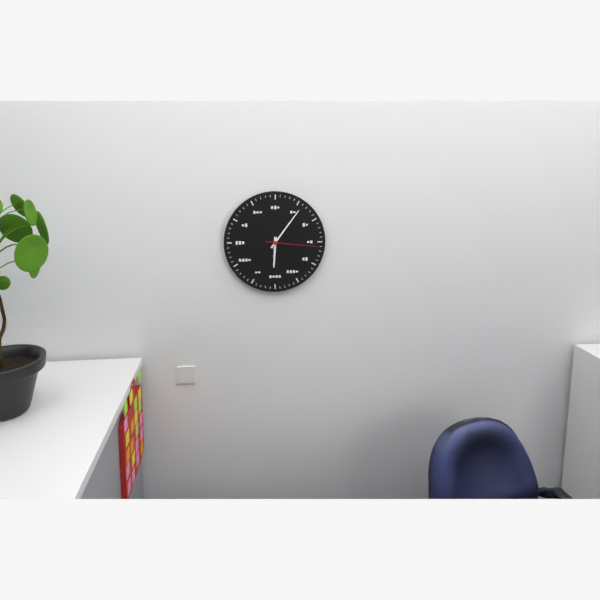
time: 6:06:16
